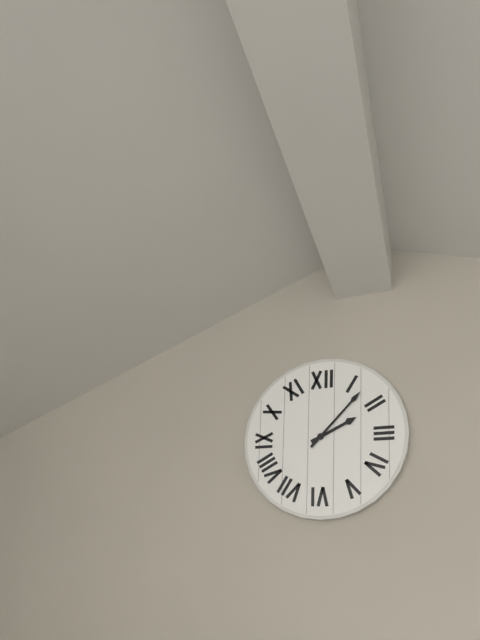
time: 2:07
